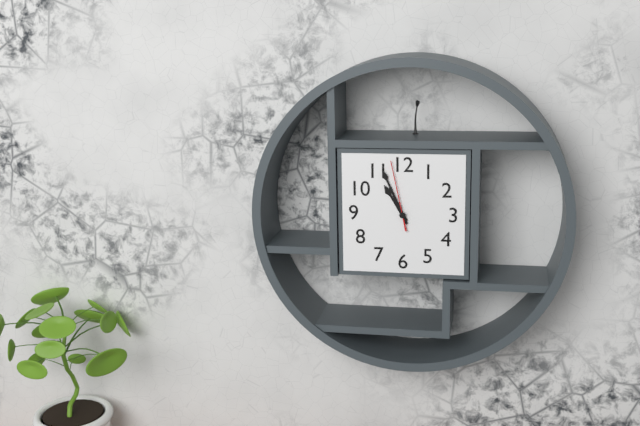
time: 10:56:58
